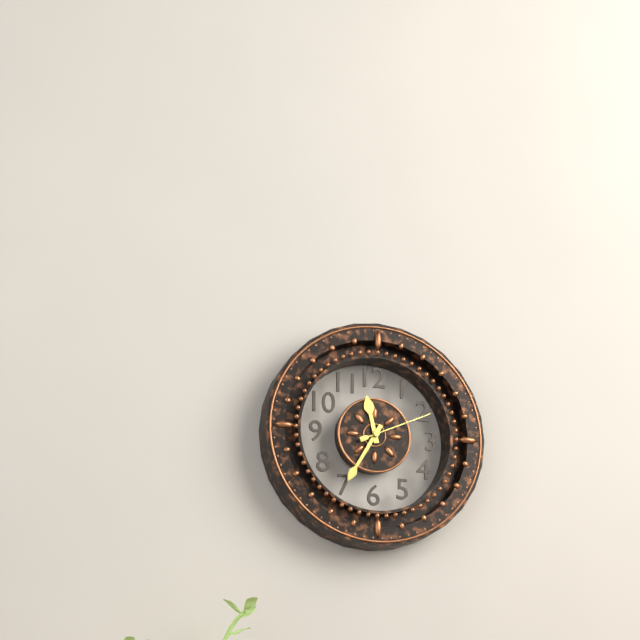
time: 11:35:11
